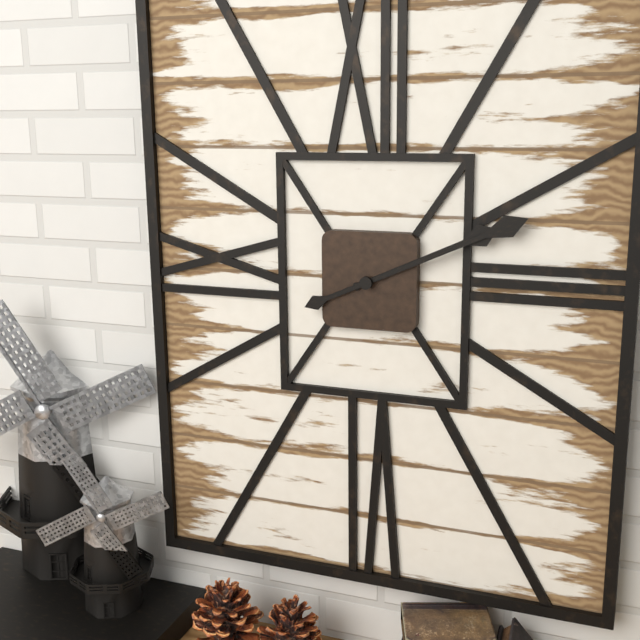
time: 2:11
